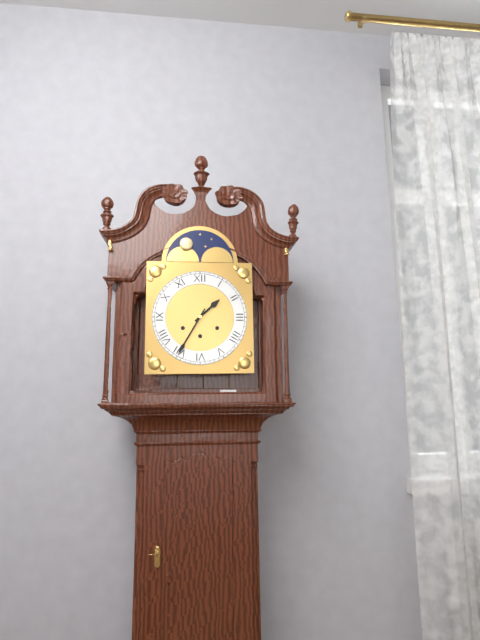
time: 1:35
